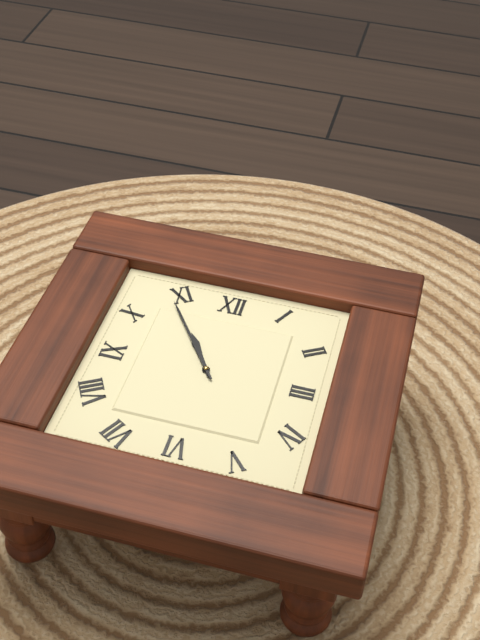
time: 10:54
